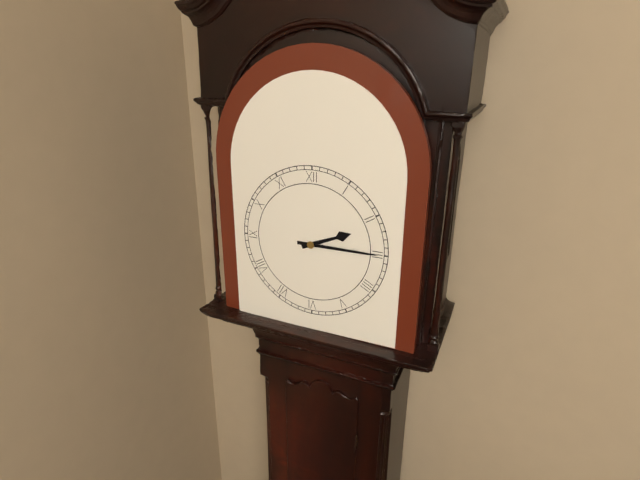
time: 2:15
